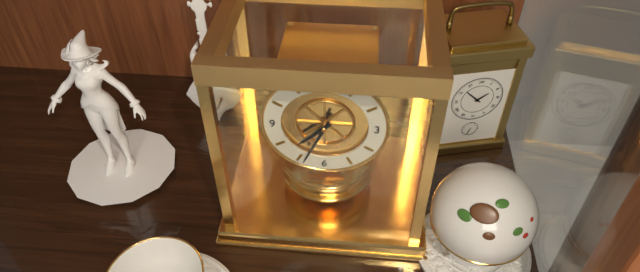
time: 7:34
